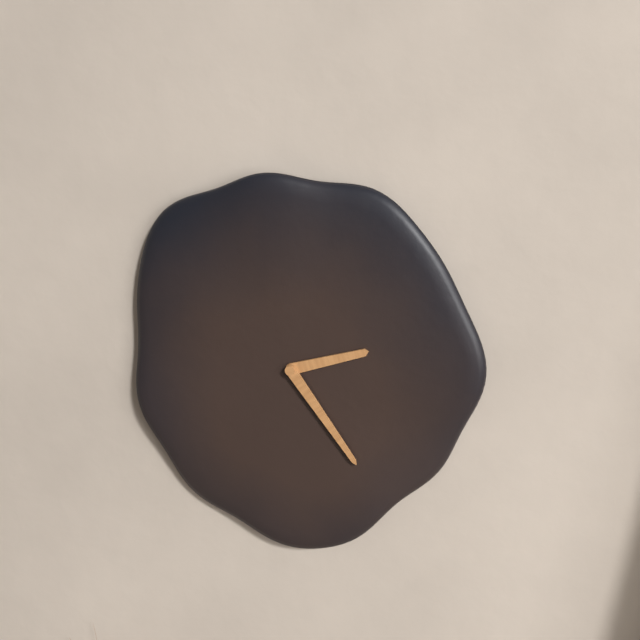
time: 2:24
